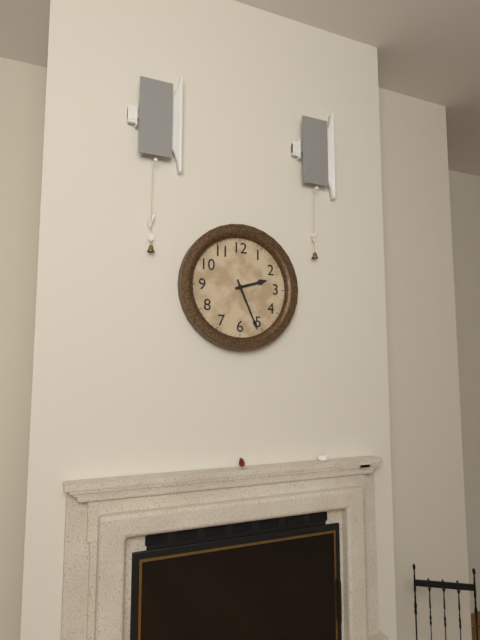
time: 2:26
